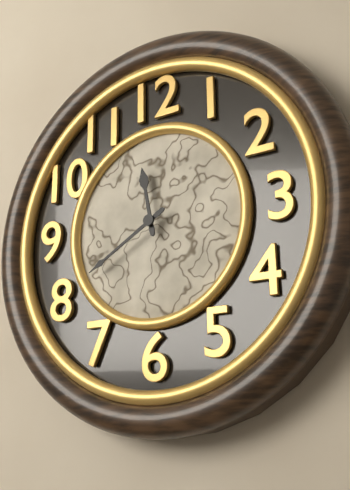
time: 11:40
